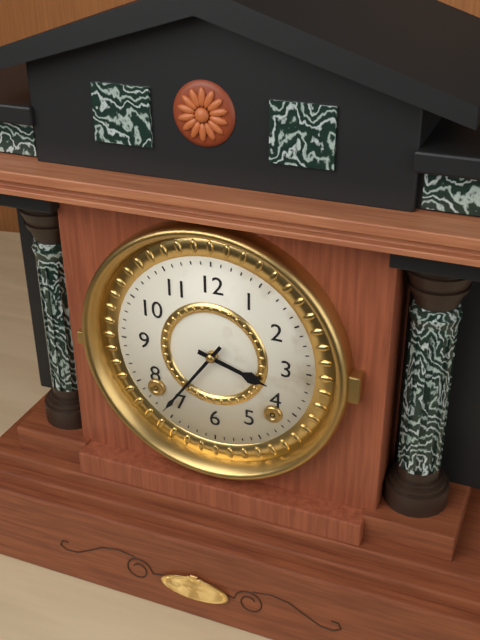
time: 3:36
